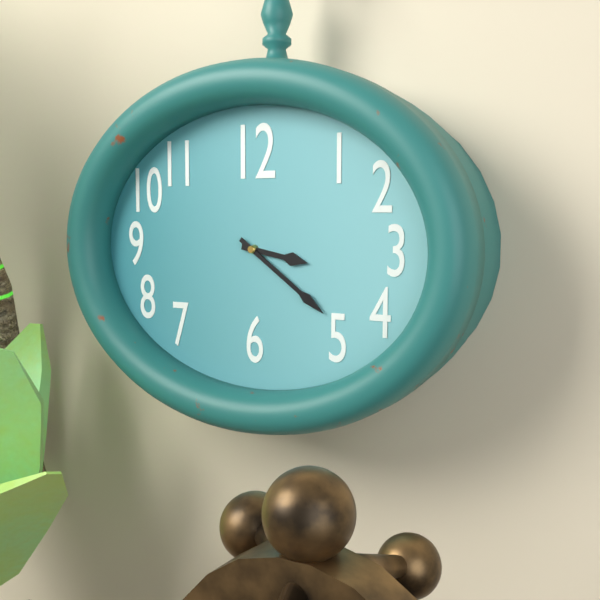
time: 3:21
